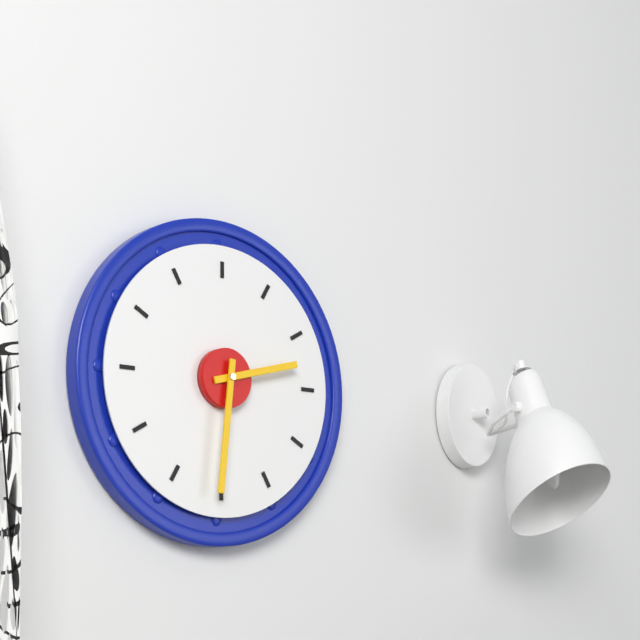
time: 2:31
